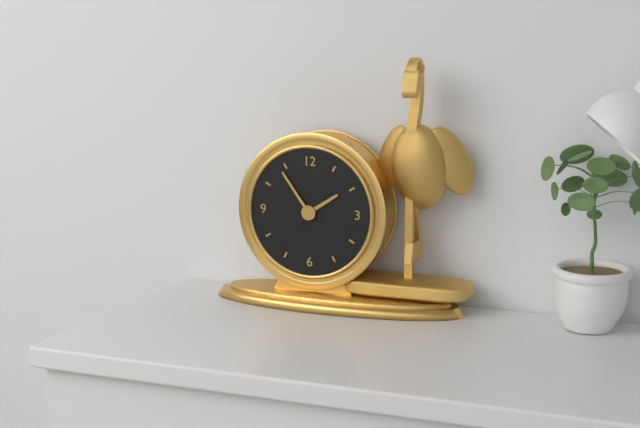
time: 1:54
